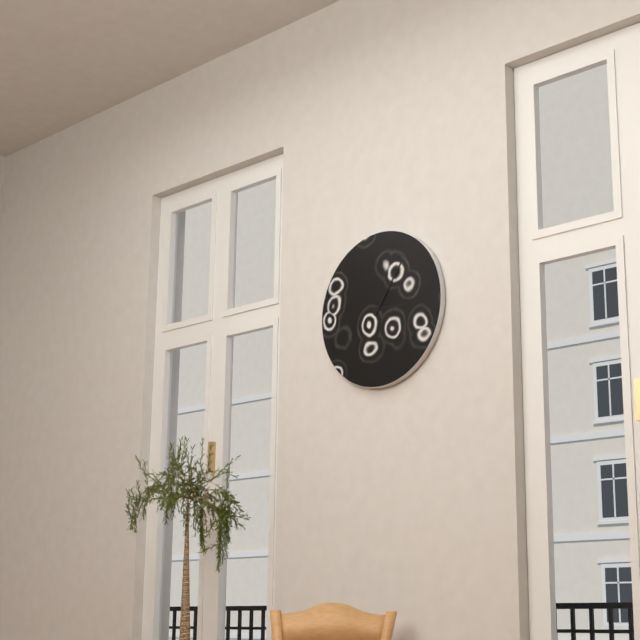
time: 3:06
